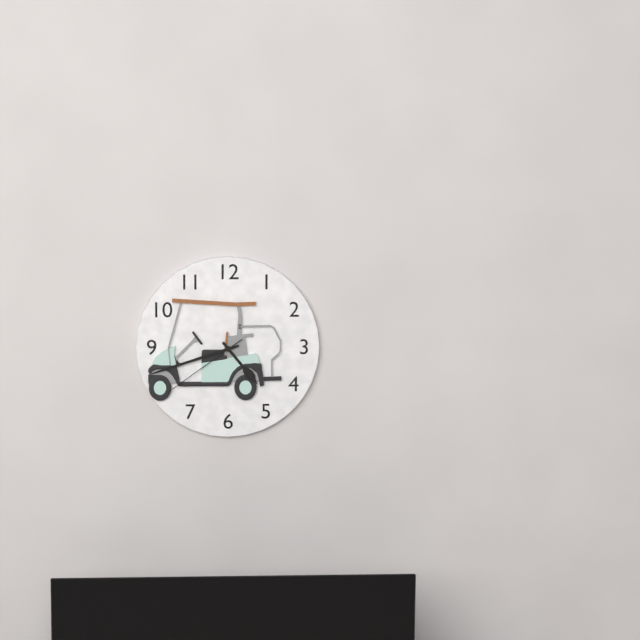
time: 4:42:39
